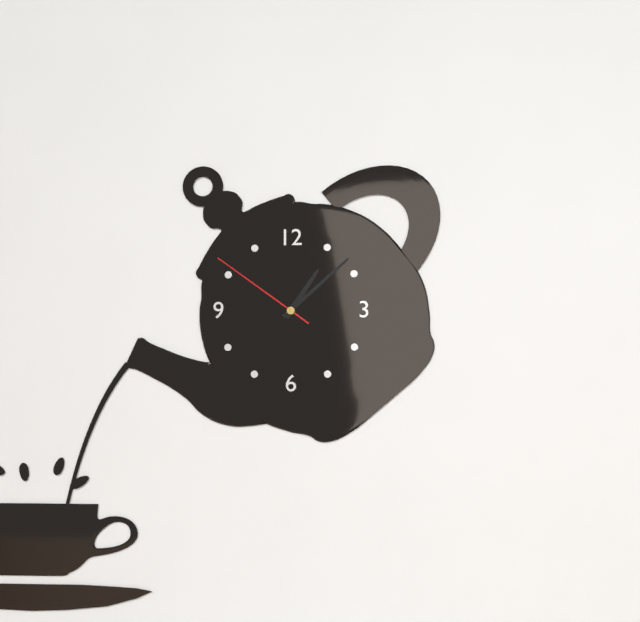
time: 1:08:51
